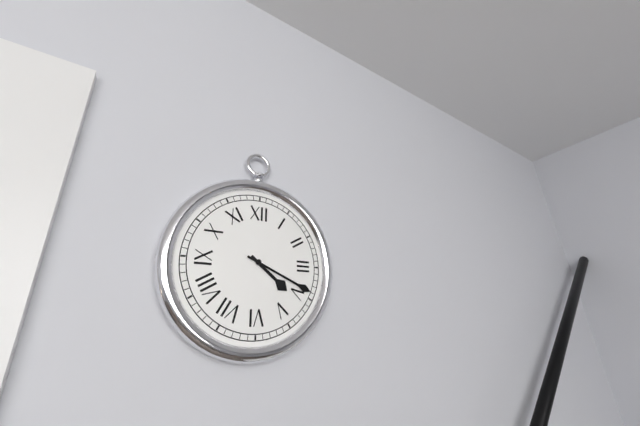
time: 4:19
